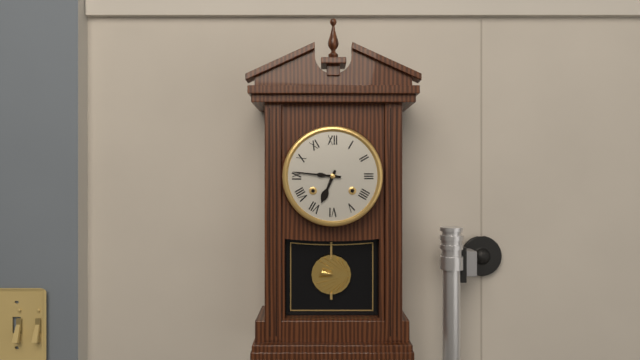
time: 6:46
